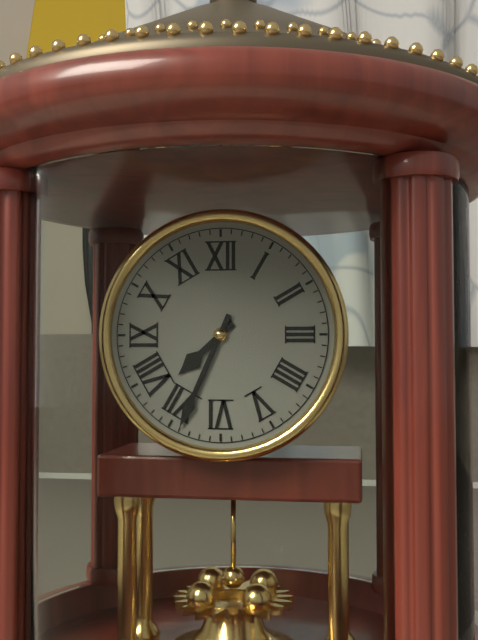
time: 7:34
